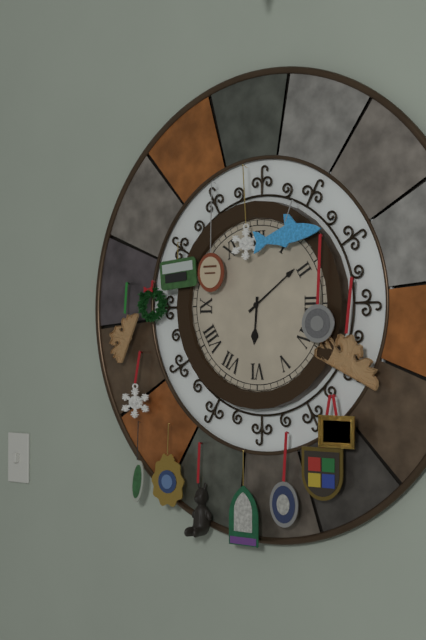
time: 6:09
